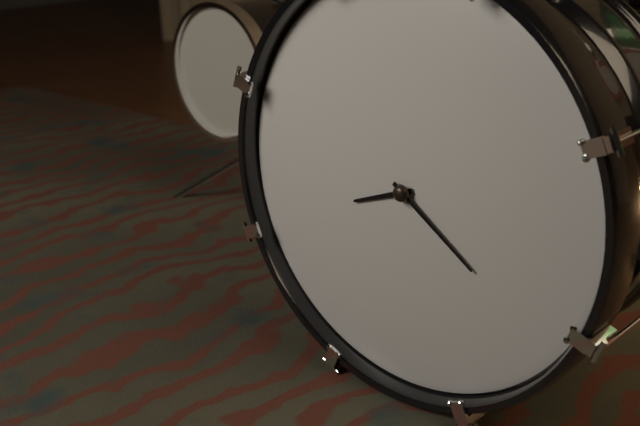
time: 8:21
